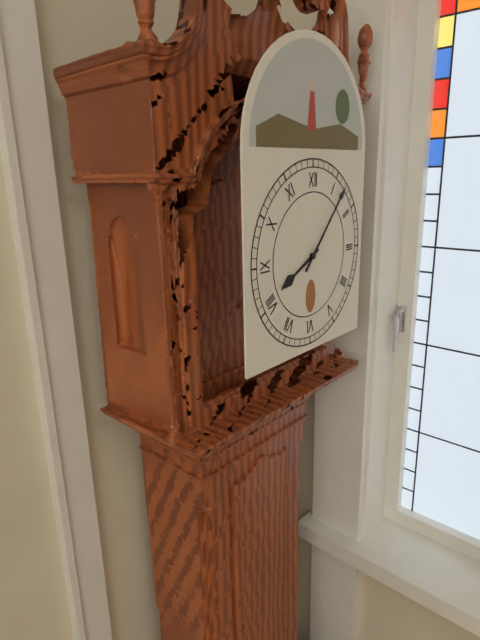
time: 8:07
